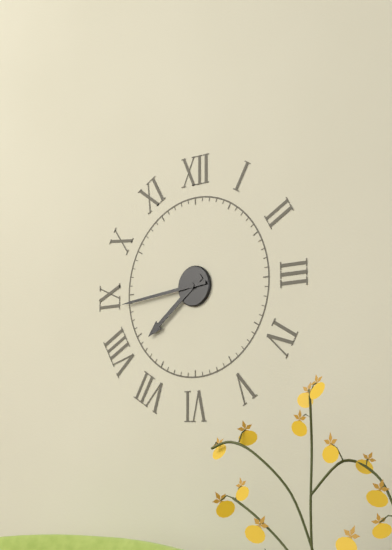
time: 7:44
